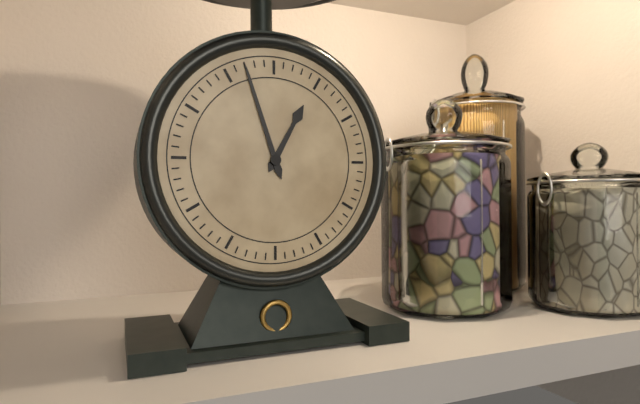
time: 12:57
